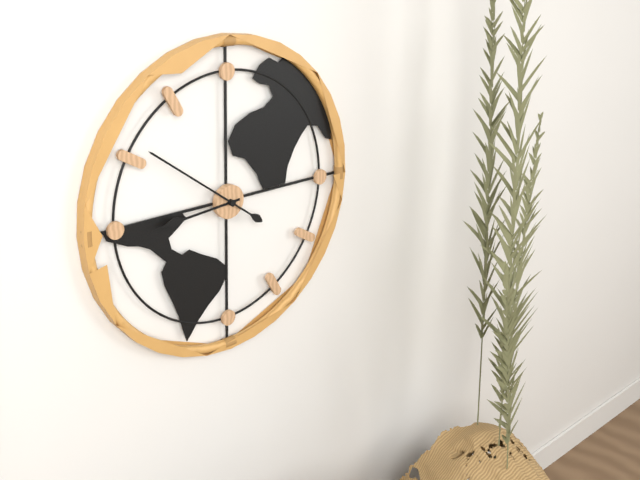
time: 8:51
